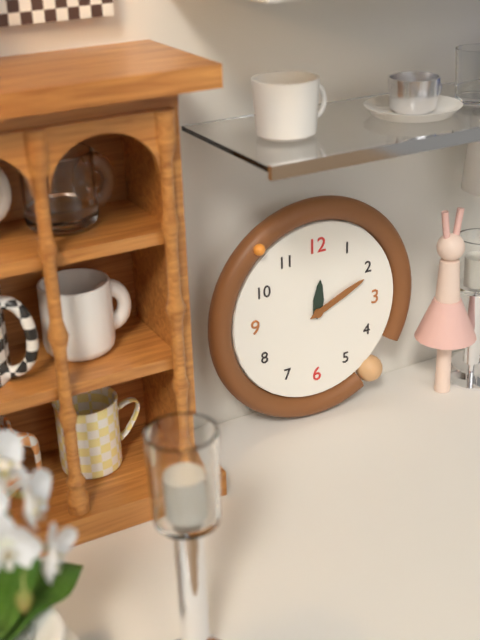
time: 12:11
